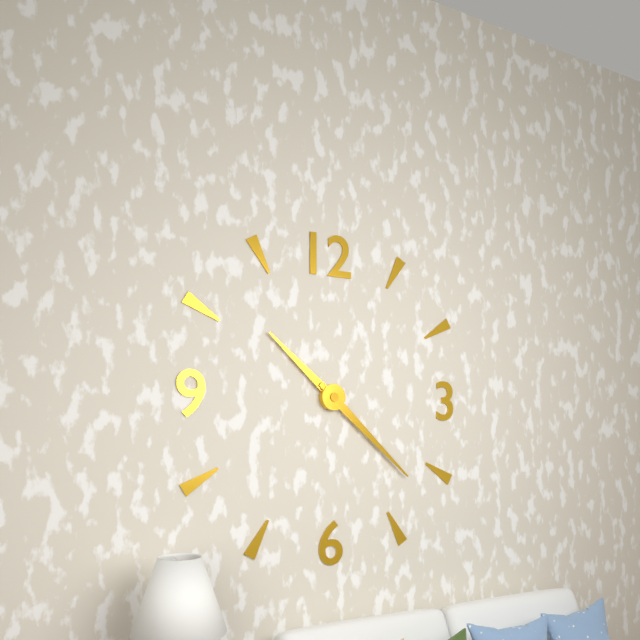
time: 10:22
